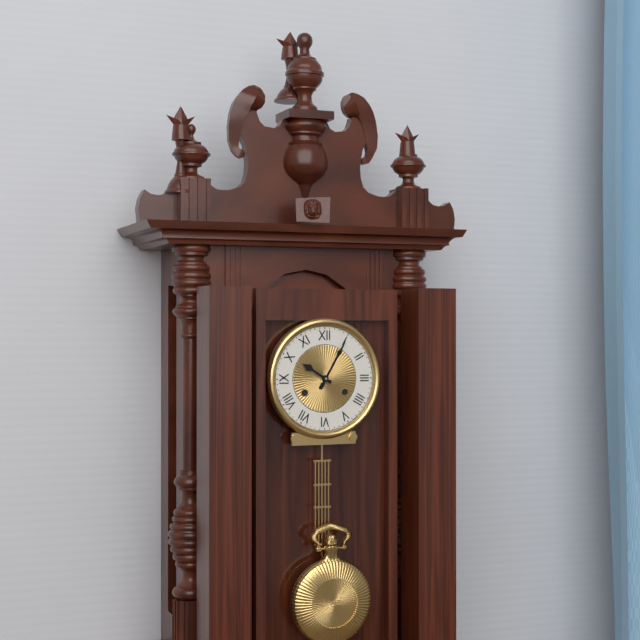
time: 10:05
